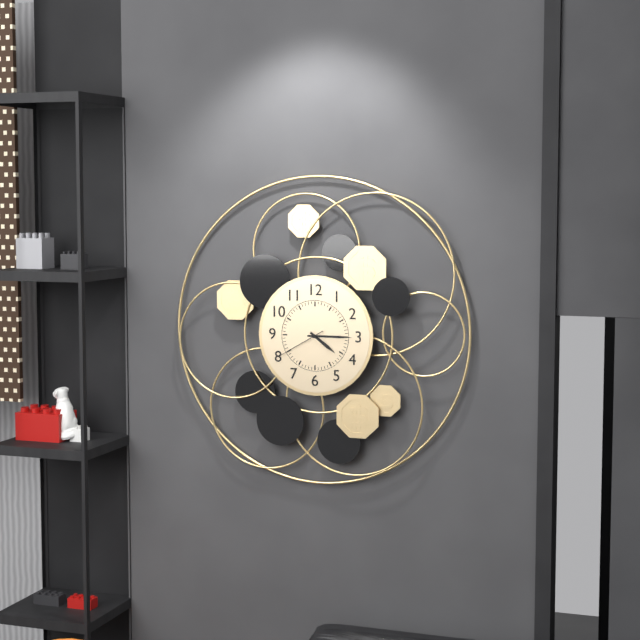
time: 4:15:40
